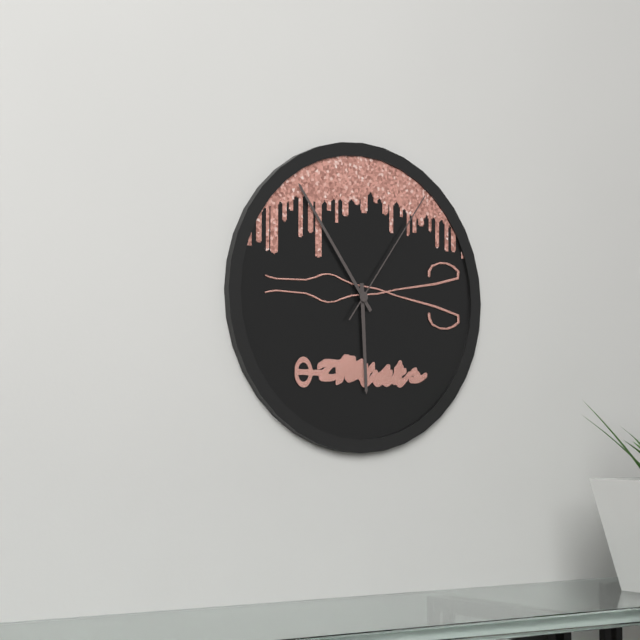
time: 5:54:06
